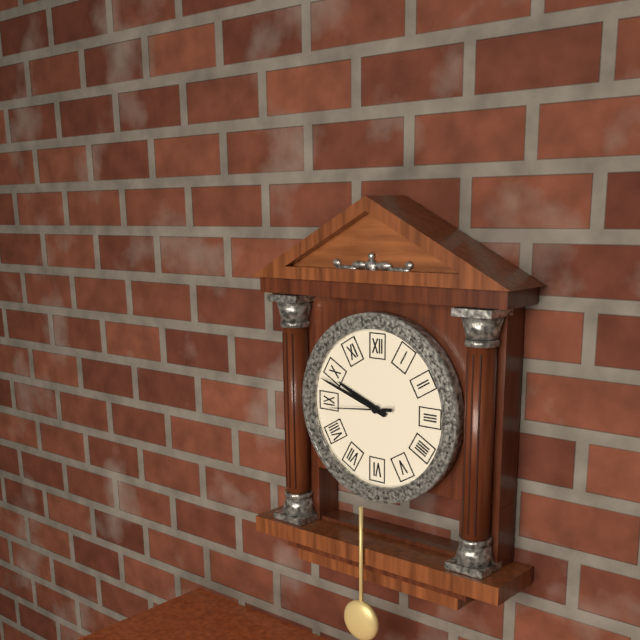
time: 9:48:44
